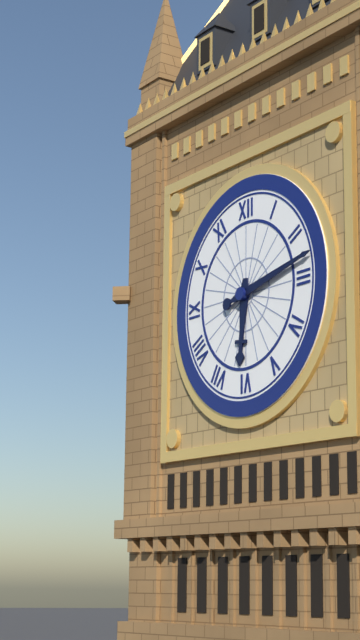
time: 6:13
